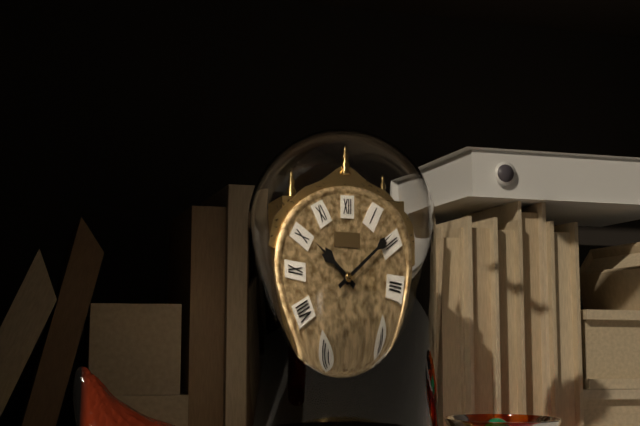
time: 10:09
